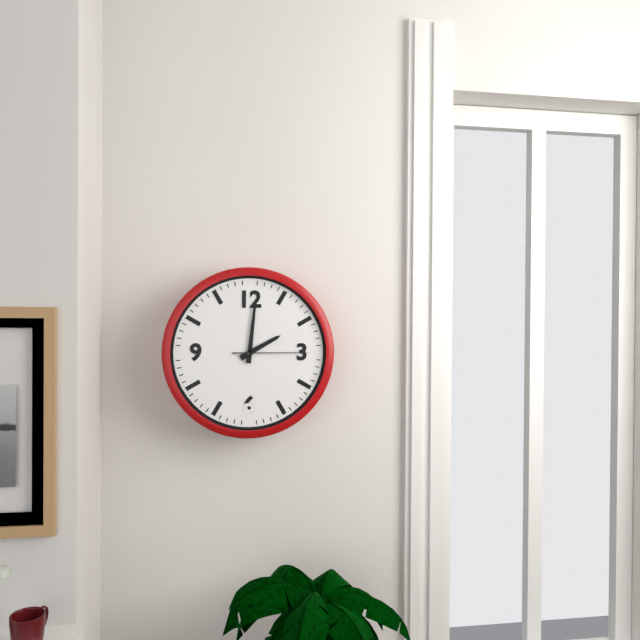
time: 2:01:15
